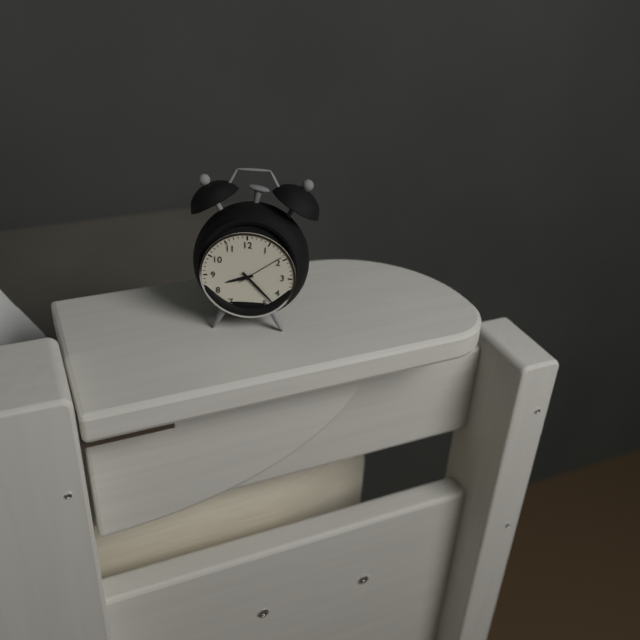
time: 8:23
